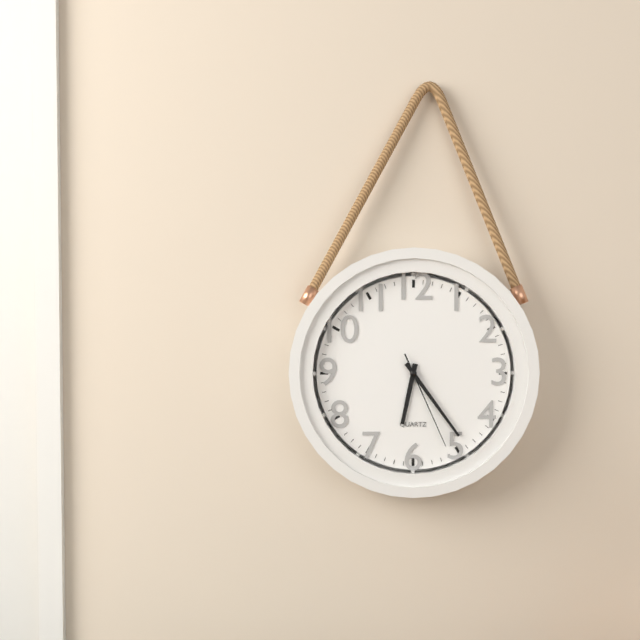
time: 6:24:26
